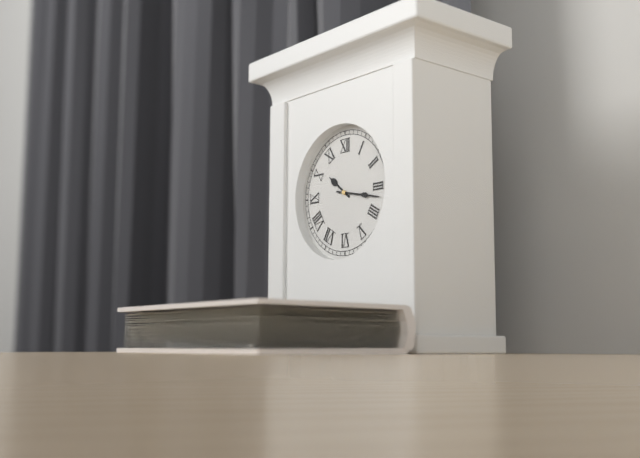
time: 10:17
